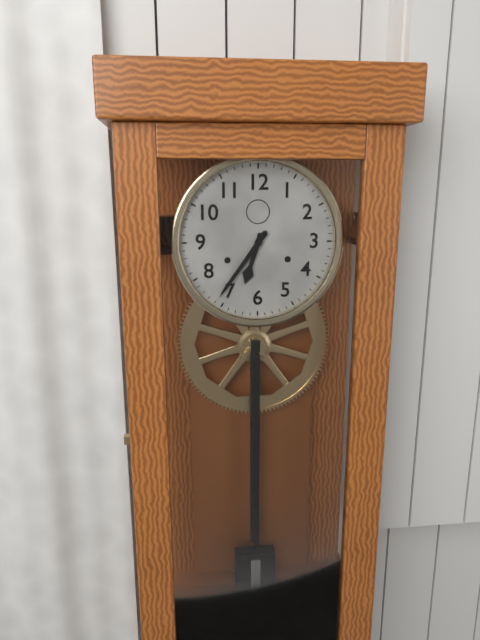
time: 6:36
